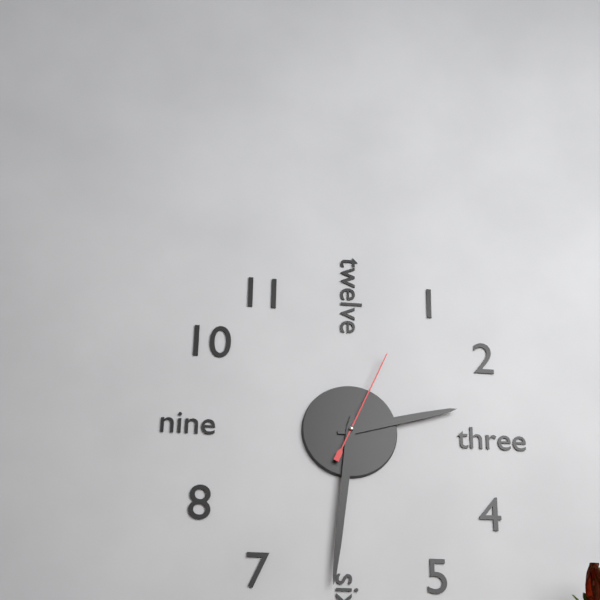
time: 2:31:04
